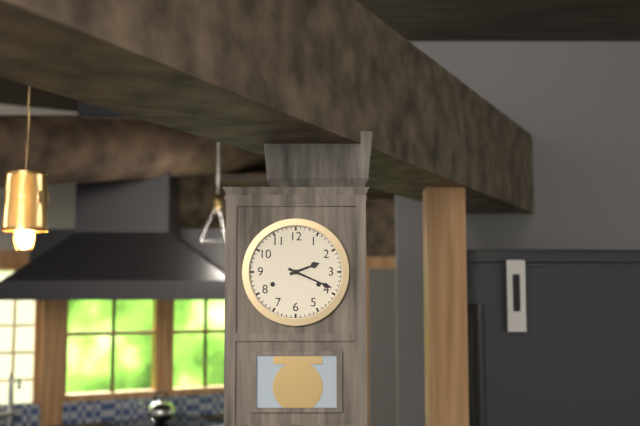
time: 2:19
